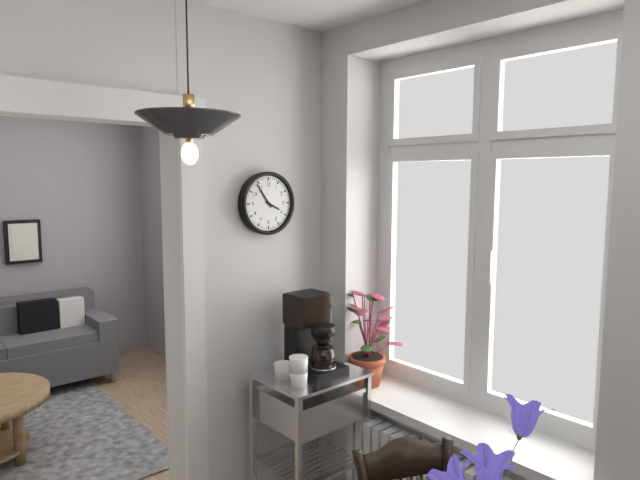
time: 3:54
